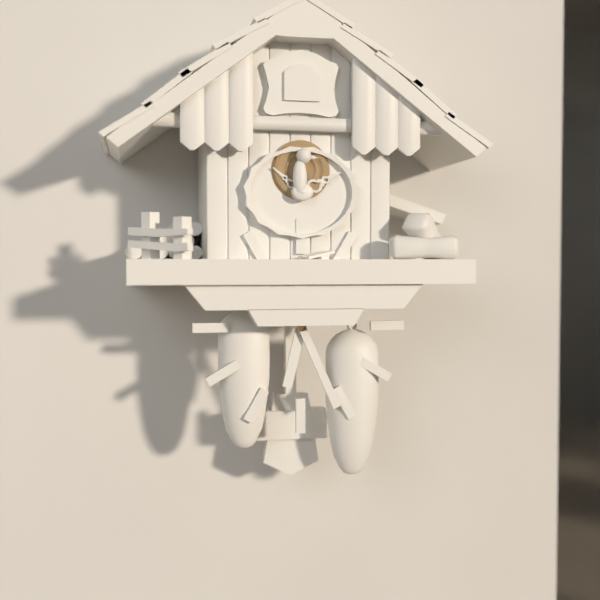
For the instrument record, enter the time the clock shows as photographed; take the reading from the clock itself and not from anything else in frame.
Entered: 6:26
